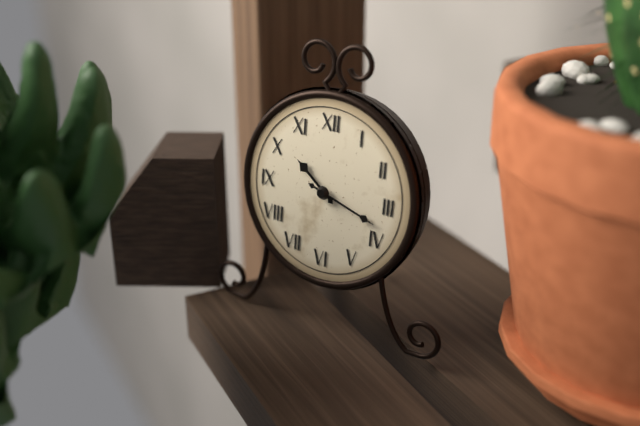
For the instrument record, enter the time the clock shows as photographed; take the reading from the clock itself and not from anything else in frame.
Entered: 10:18
